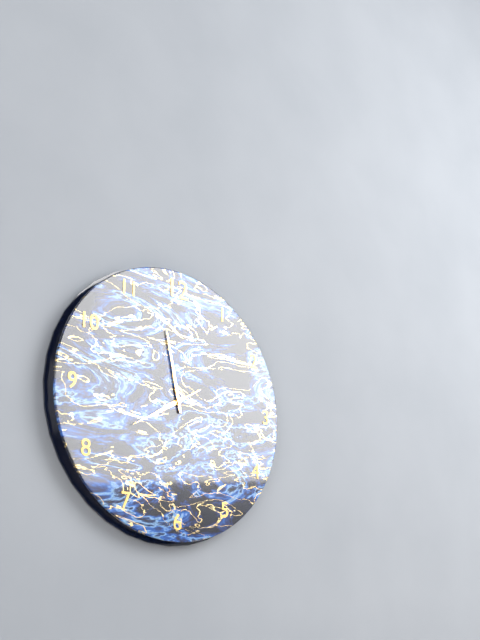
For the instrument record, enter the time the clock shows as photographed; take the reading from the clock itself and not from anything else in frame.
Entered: 7:58:40
